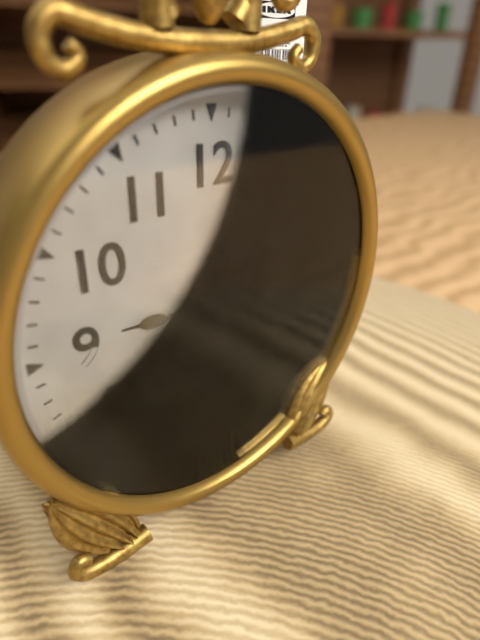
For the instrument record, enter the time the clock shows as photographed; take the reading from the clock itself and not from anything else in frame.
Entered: 9:08
